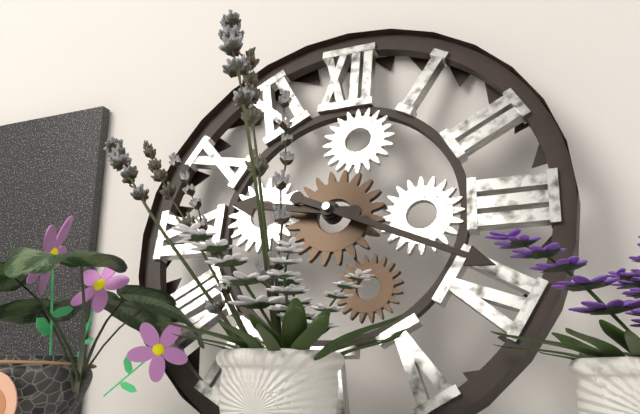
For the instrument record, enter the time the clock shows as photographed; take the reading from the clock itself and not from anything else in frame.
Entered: 9:19
